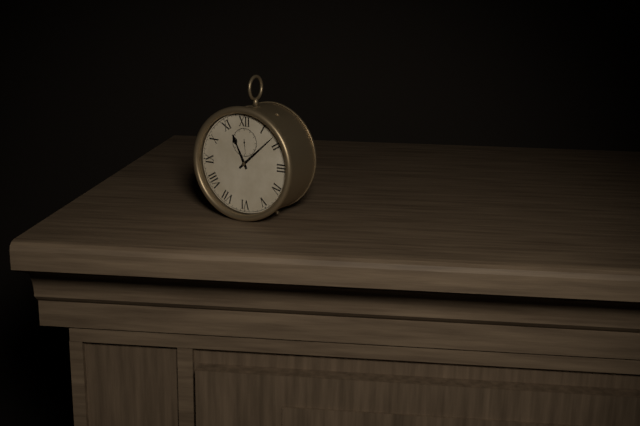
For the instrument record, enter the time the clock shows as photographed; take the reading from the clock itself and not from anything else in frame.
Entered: 11:08
